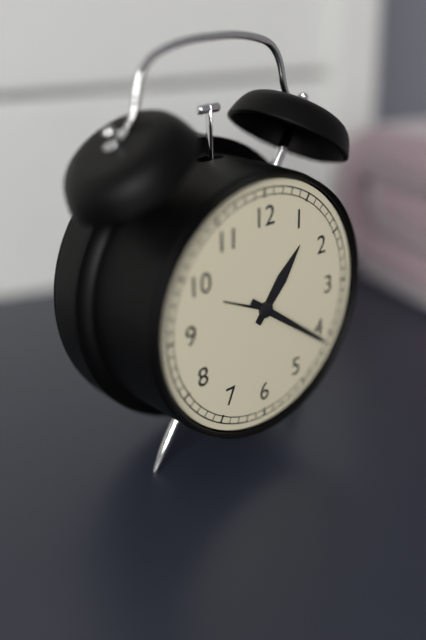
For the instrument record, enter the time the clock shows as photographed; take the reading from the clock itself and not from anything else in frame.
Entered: 1:21
